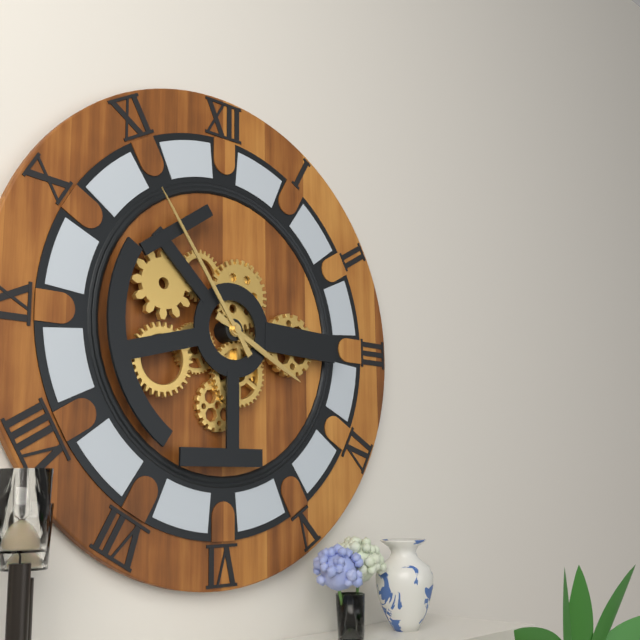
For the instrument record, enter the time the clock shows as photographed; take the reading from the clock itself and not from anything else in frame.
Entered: 3:54
